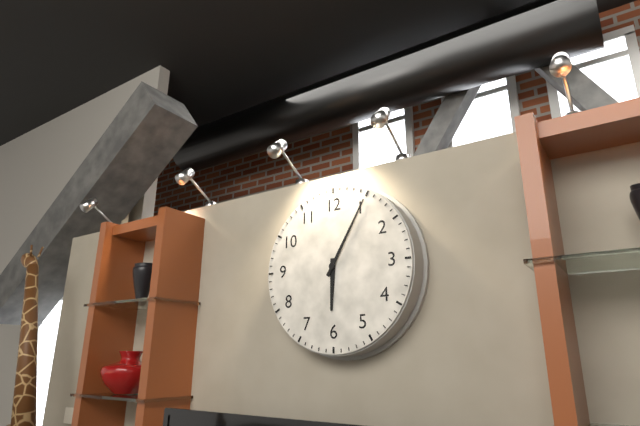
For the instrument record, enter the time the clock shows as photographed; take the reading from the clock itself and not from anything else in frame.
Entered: 6:05
